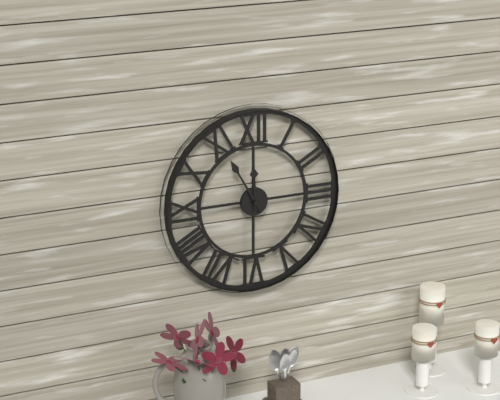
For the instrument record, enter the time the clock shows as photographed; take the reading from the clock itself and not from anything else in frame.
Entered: 11:55
